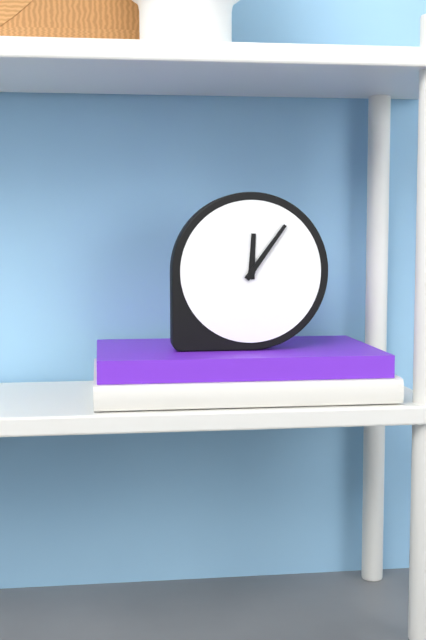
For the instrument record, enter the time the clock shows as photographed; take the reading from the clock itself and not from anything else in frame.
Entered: 12:06
